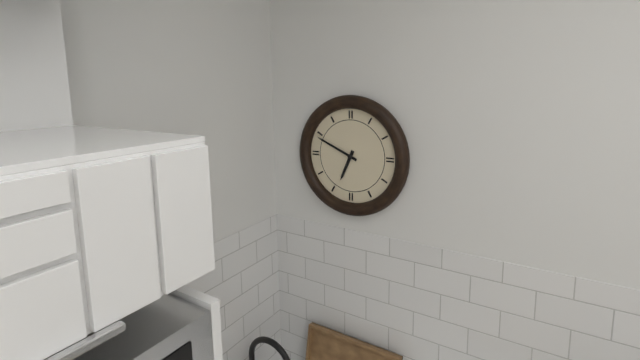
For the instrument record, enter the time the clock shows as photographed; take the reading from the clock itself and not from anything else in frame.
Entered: 6:49
